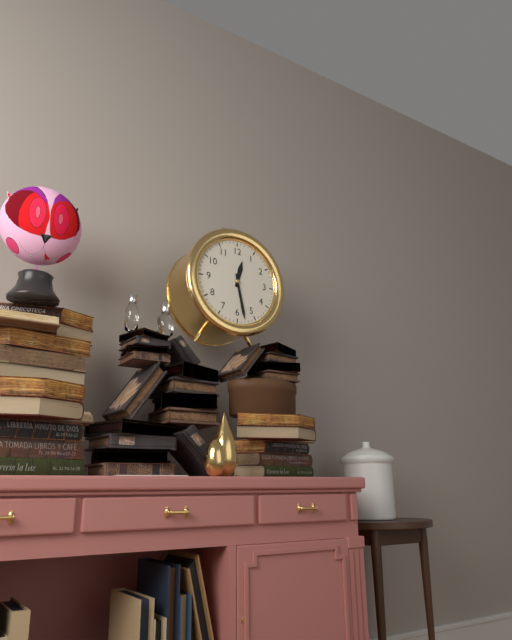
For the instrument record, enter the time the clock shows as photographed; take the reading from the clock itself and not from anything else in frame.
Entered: 12:28
